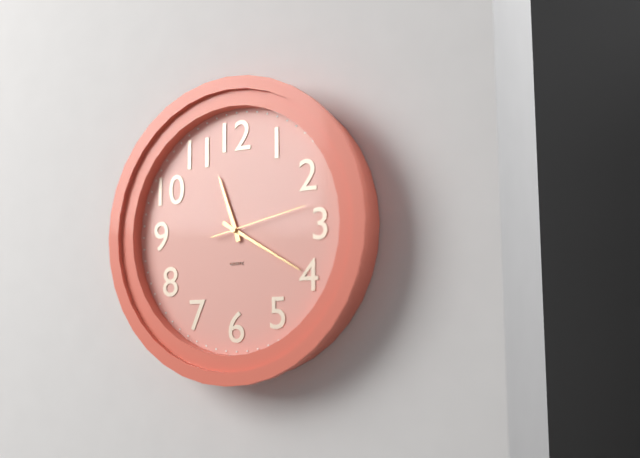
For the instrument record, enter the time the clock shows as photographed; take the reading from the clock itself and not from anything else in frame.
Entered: 11:20:13
